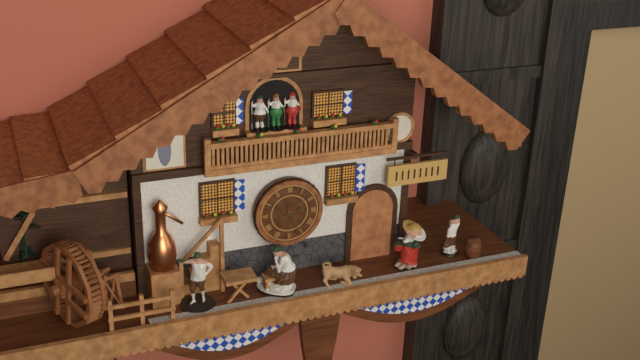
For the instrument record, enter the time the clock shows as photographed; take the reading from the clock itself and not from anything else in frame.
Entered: 2:26
